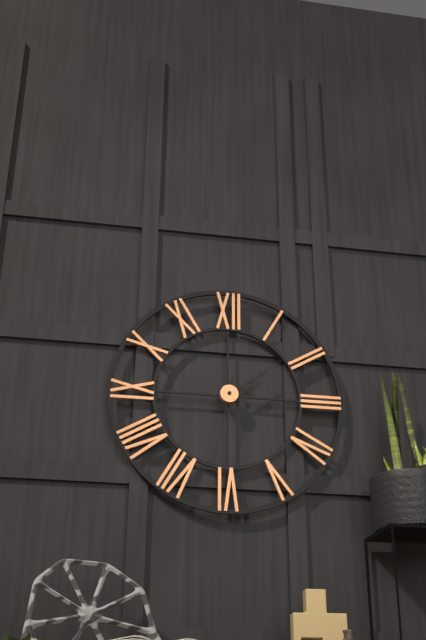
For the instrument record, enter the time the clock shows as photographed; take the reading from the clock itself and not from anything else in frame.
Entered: 2:09:32
